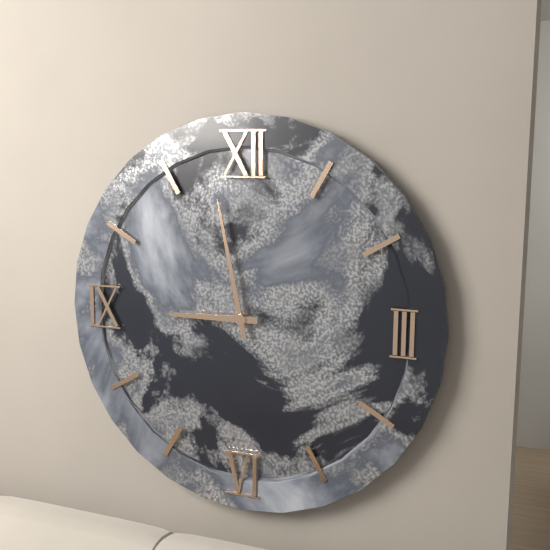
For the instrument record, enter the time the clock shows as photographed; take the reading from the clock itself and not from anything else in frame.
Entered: 8:58
